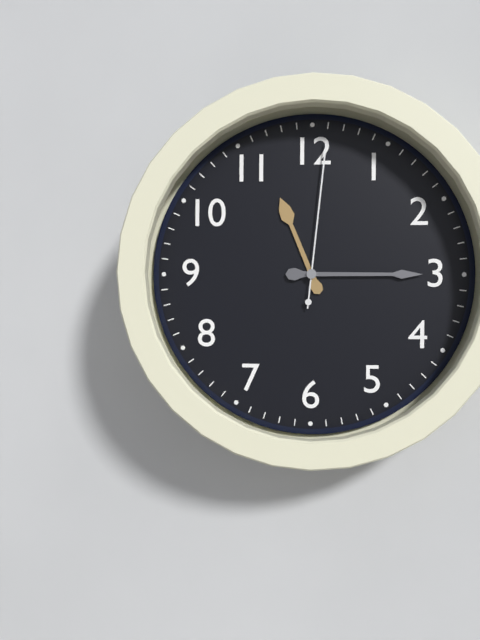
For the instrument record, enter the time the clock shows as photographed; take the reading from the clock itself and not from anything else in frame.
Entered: 11:15:01
